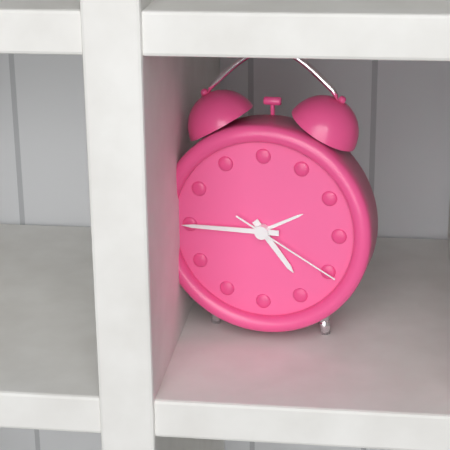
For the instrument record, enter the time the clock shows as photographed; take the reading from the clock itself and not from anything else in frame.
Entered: 4:45:20
